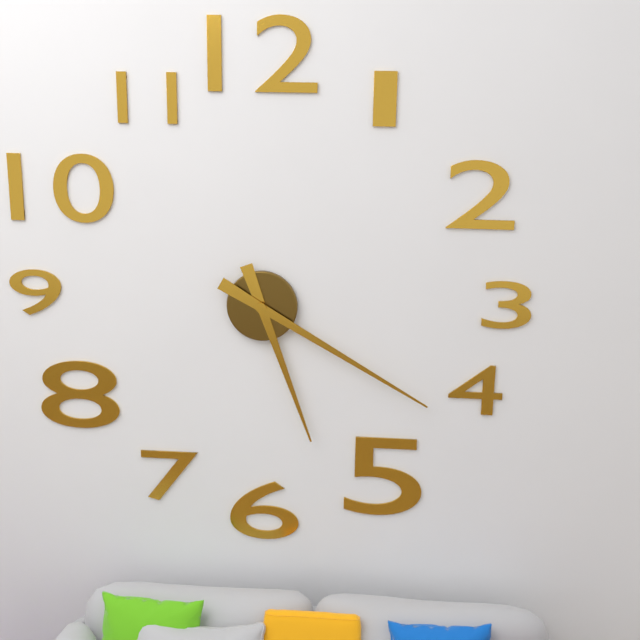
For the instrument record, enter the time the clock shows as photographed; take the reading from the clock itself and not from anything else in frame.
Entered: 5:20
